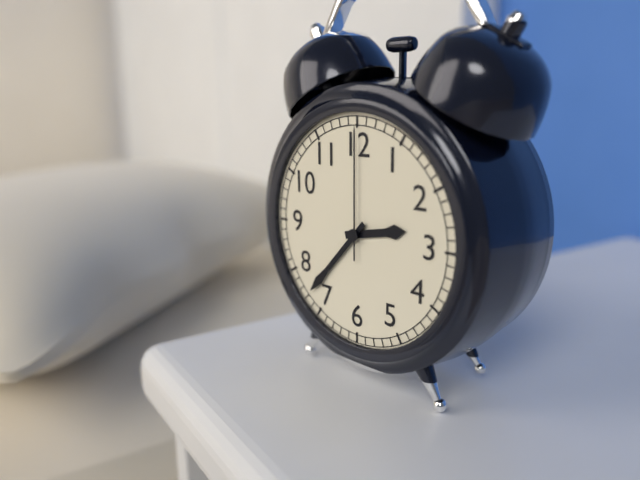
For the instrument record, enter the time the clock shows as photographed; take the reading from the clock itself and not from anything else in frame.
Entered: 2:37:00
